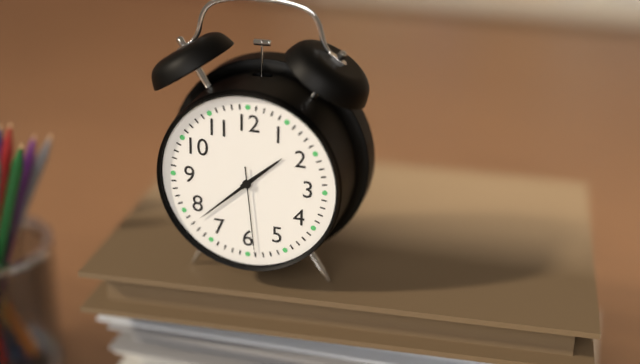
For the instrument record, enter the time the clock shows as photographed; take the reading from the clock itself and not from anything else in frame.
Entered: 1:38:29
